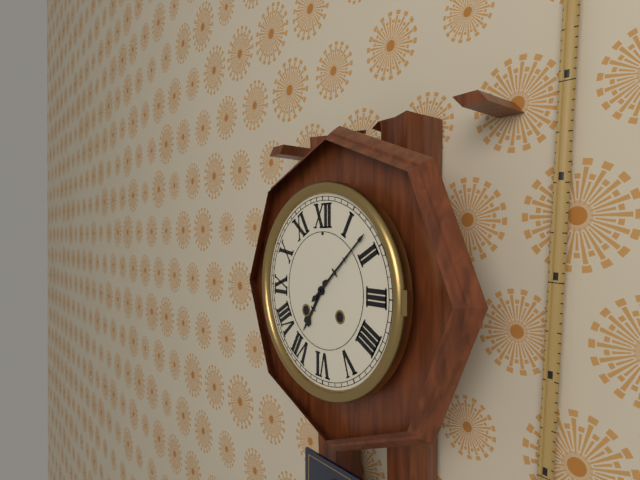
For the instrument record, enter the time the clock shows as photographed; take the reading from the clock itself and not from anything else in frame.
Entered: 7:08
